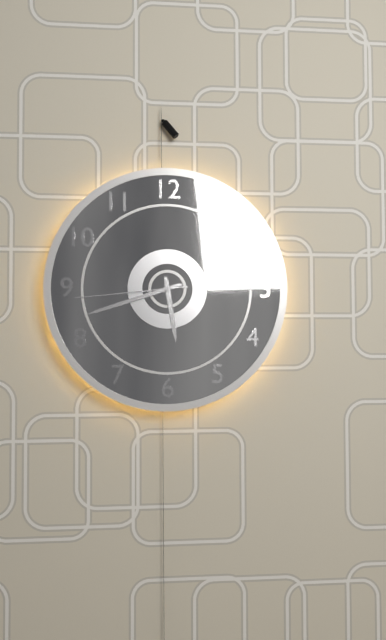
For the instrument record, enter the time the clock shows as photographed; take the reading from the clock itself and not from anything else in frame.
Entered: 5:42:44
